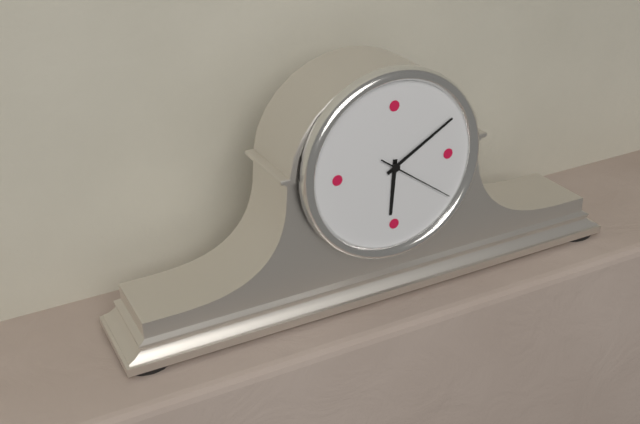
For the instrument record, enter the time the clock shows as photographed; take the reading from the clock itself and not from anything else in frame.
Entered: 6:10:21
